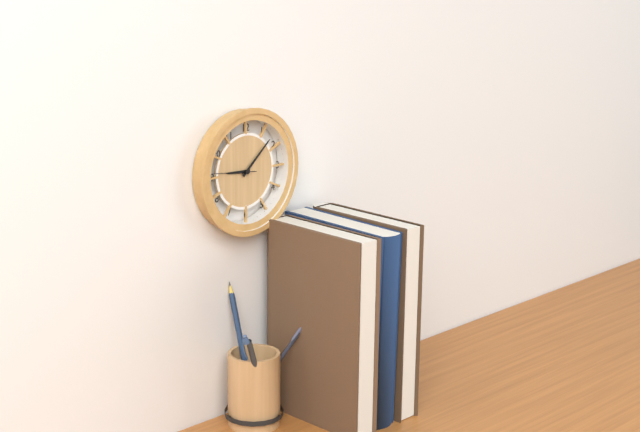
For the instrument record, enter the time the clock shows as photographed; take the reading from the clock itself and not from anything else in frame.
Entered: 9:08
